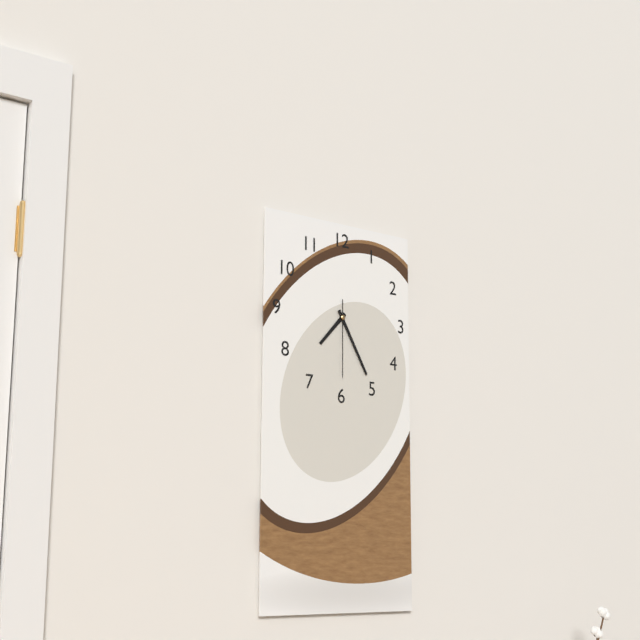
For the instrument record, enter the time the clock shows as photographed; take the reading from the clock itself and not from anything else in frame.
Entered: 7:25:30
